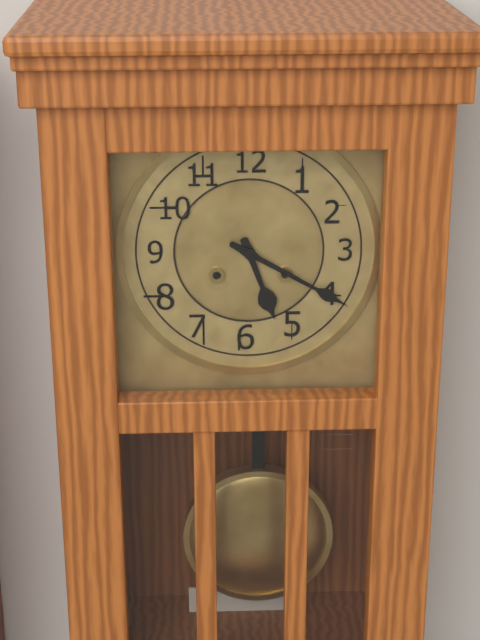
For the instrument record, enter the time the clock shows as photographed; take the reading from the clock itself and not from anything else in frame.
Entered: 5:20
